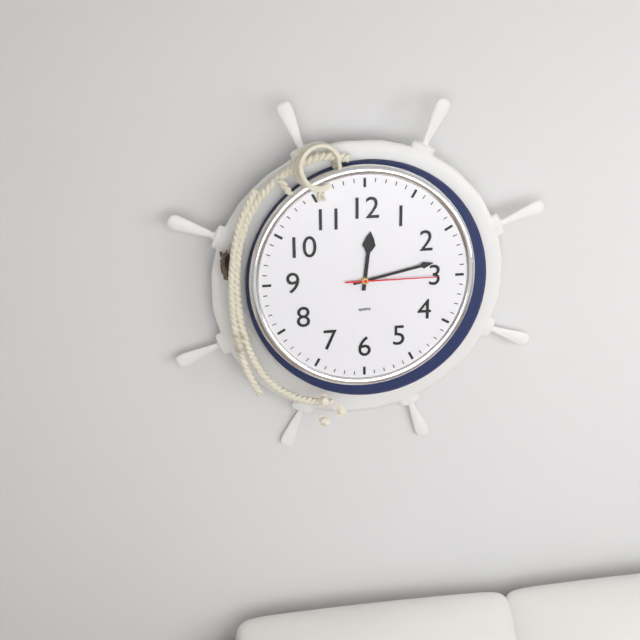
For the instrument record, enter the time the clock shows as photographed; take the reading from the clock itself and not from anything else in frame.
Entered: 12:13:15
